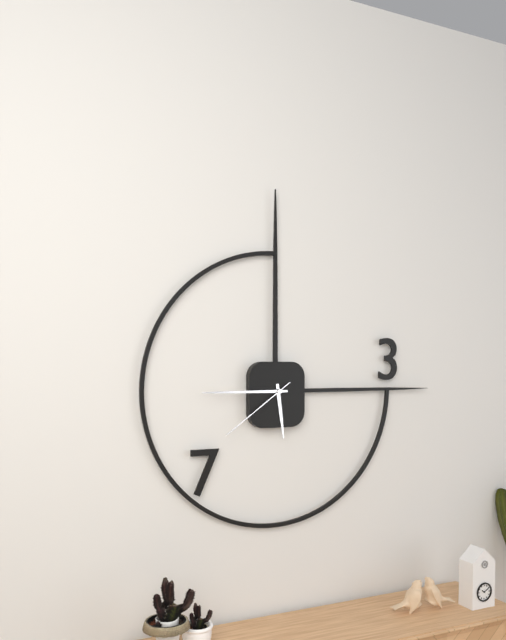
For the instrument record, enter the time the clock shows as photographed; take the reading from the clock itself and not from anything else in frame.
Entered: 5:45:39
